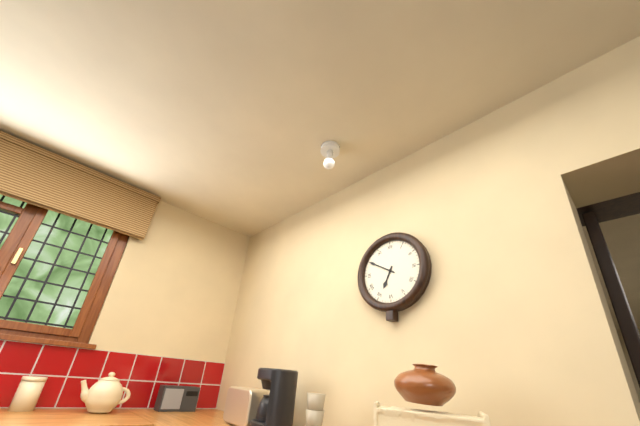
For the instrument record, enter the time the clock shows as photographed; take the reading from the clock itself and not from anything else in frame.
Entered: 6:50
